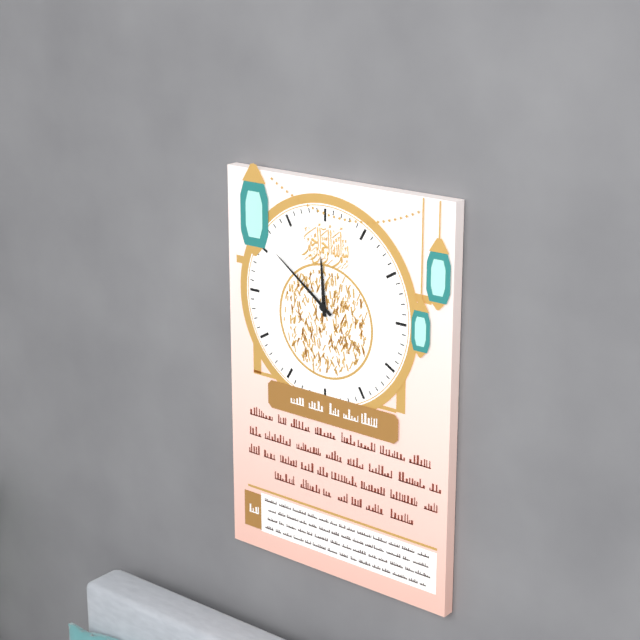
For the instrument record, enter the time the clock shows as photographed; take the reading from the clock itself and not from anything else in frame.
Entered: 11:51
